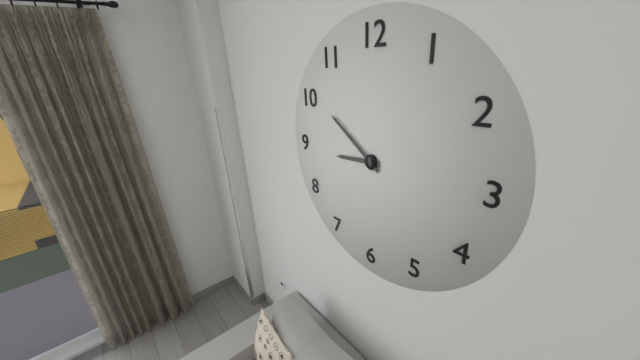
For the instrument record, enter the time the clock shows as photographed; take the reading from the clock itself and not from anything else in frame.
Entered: 8:51
